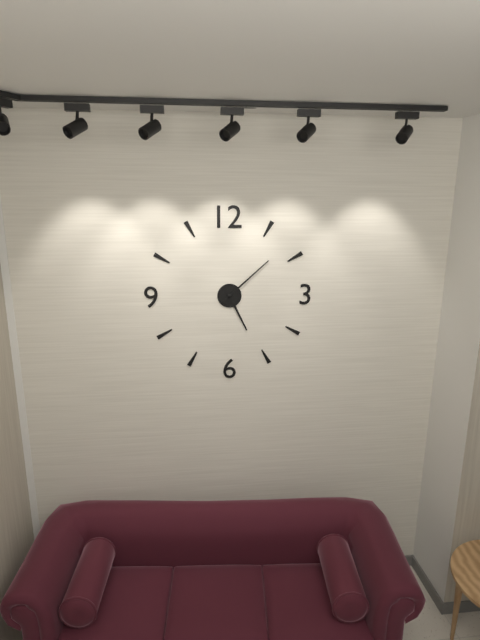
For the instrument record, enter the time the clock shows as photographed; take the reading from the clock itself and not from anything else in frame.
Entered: 5:08
